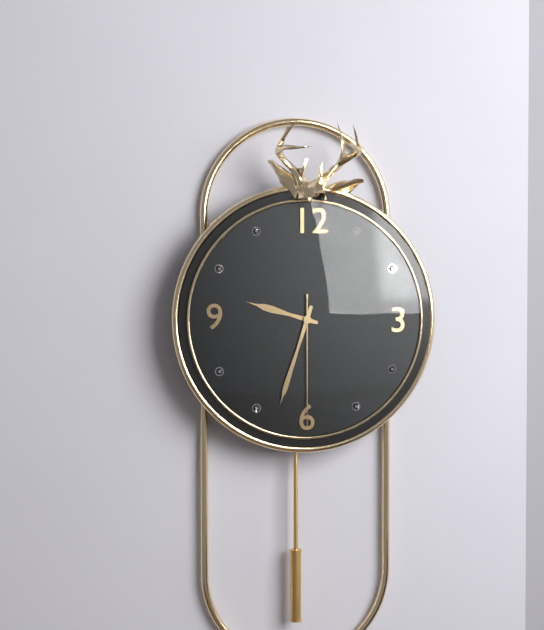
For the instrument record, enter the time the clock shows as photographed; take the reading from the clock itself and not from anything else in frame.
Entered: 9:33:30
